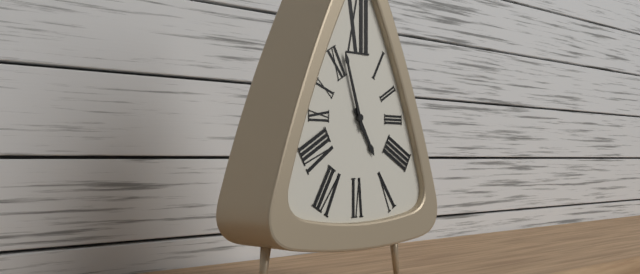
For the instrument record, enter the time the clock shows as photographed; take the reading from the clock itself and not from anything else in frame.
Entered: 4:57
